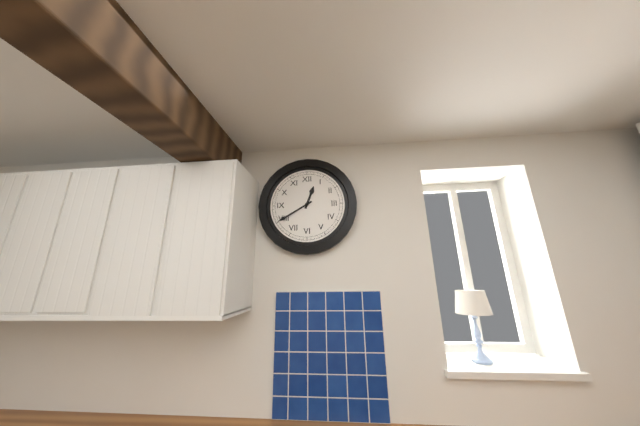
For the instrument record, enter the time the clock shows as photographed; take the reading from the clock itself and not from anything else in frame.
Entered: 12:40
